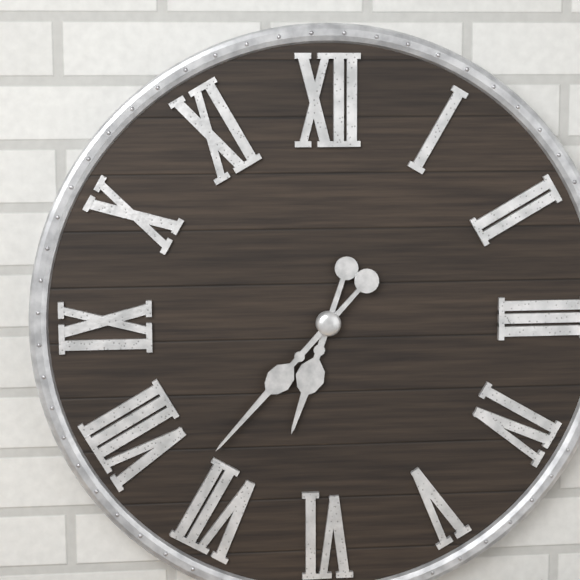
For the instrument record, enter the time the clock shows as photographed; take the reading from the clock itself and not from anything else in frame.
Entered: 6:37
